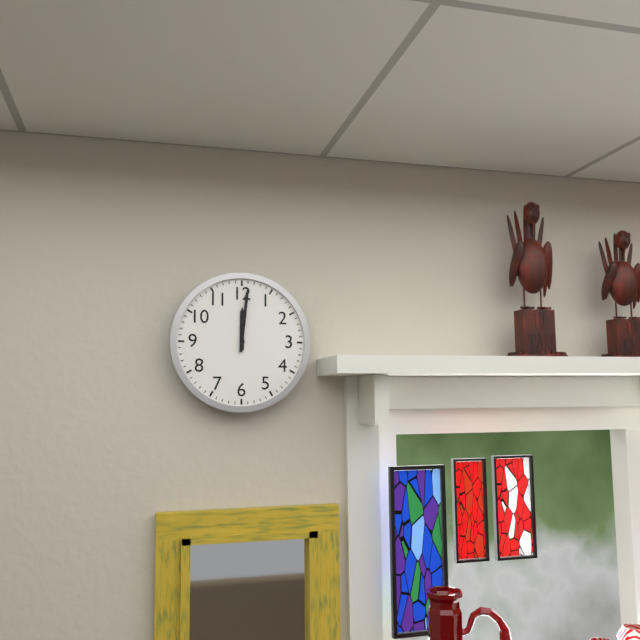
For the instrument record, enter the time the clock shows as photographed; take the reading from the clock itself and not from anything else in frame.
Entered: 12:01
